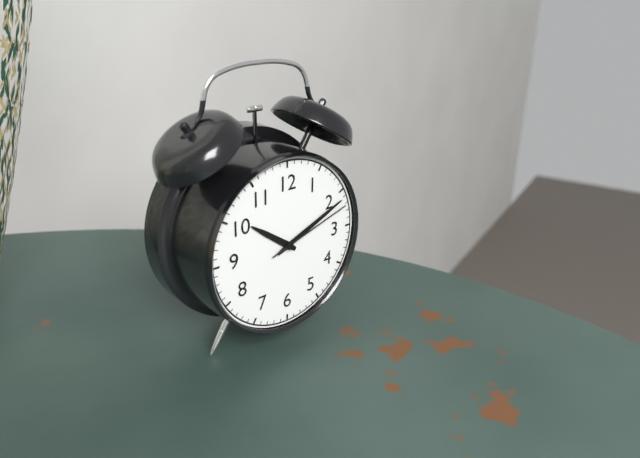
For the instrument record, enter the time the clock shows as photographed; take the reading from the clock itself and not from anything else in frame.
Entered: 10:11:12
